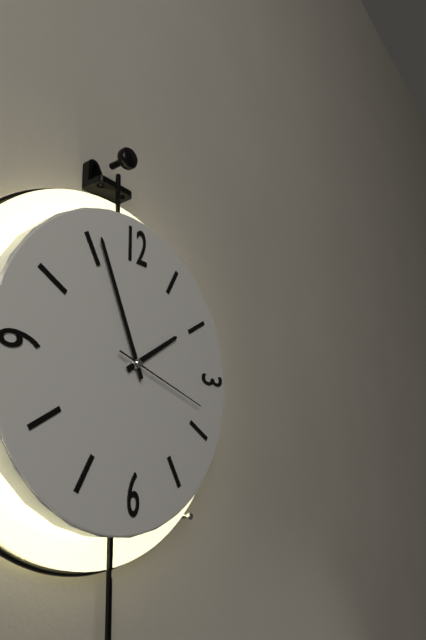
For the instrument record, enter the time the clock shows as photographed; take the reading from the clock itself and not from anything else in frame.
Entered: 1:56:18
